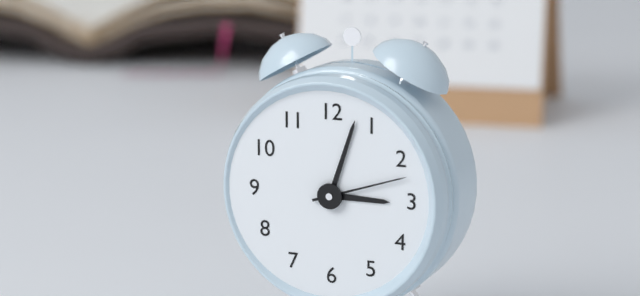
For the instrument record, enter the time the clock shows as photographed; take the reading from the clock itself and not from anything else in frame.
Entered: 3:03:12
